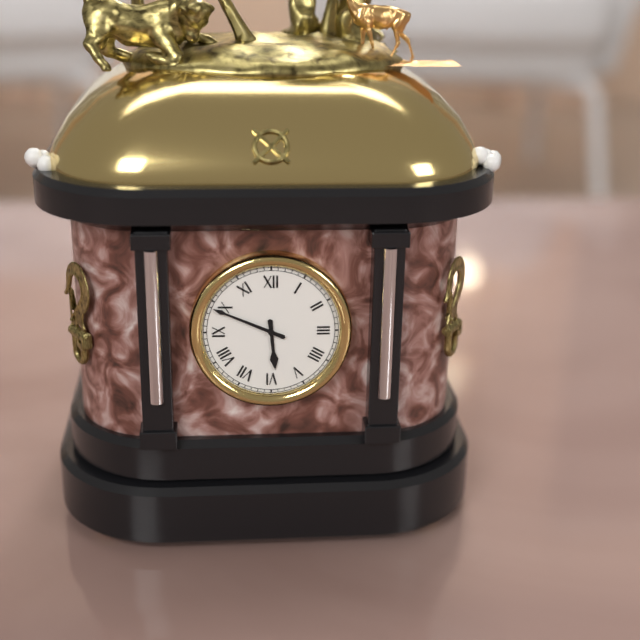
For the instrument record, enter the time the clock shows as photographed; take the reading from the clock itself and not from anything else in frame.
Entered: 5:49
